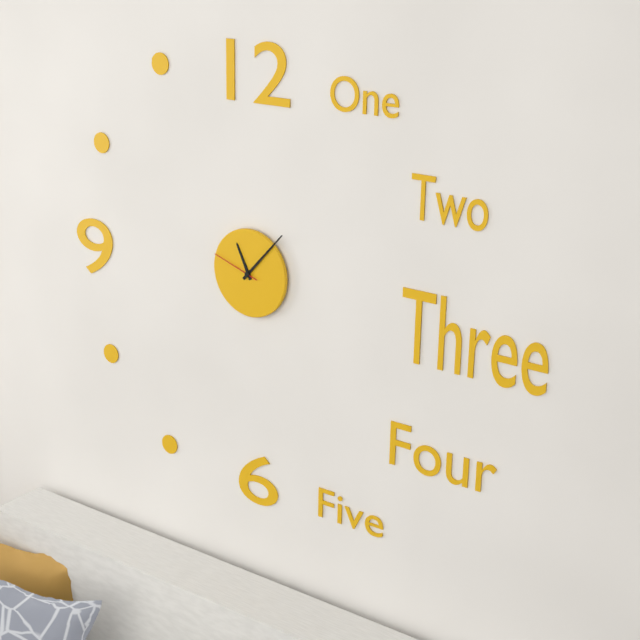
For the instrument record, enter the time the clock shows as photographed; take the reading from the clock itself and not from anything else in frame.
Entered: 11:07
